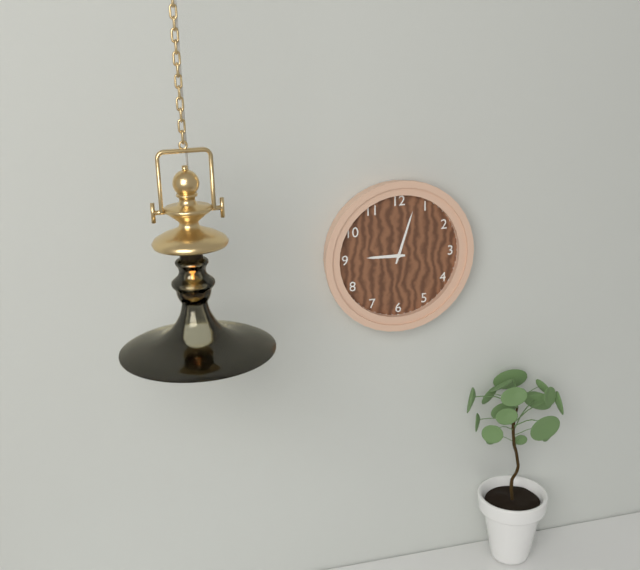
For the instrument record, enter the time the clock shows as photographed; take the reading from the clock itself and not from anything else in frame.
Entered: 9:03
